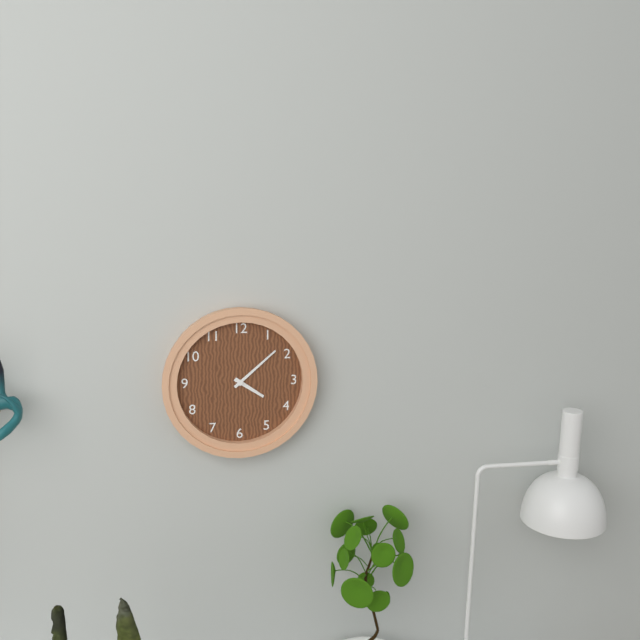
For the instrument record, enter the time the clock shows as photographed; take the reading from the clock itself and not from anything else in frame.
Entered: 4:08
